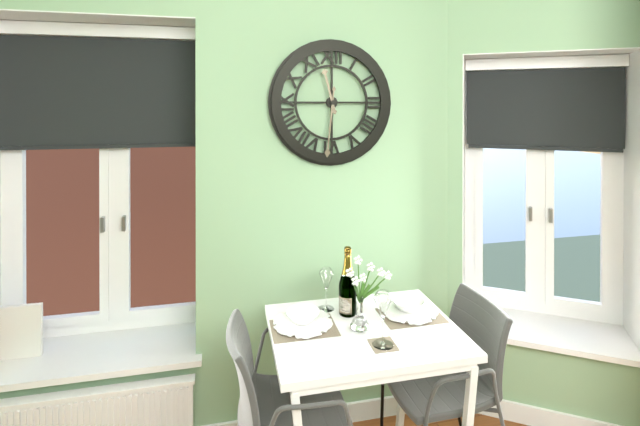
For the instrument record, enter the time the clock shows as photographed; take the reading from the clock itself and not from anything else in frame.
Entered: 11:31
